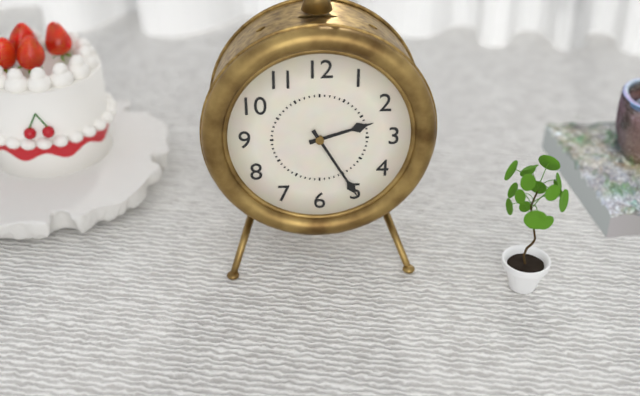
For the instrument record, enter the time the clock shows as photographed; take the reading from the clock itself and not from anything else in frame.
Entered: 2:25
